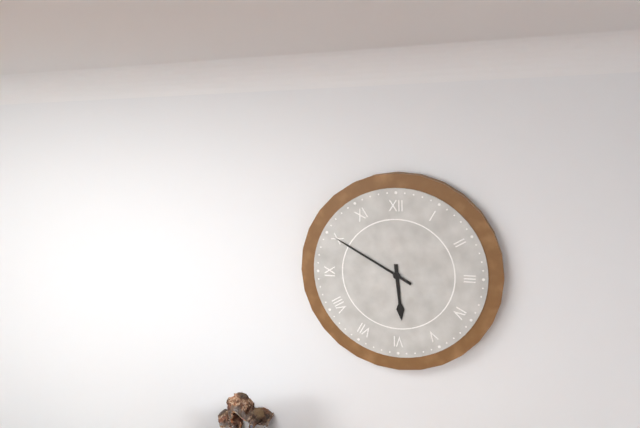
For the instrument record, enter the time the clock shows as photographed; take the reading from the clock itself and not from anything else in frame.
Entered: 5:50
